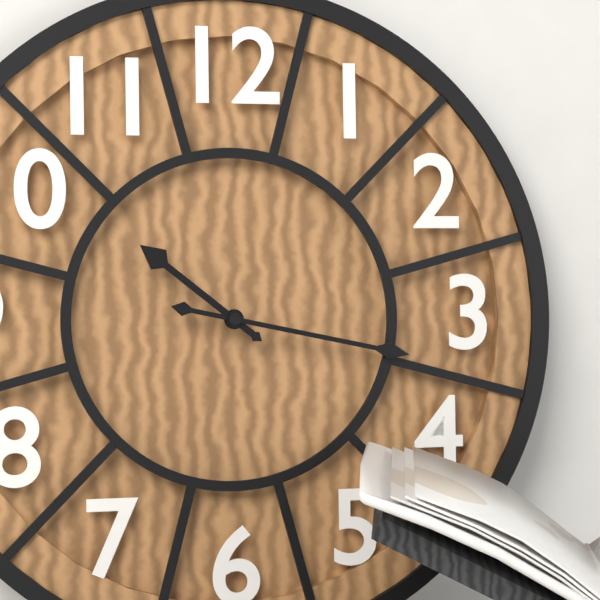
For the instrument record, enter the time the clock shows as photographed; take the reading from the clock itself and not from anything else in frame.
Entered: 10:17
